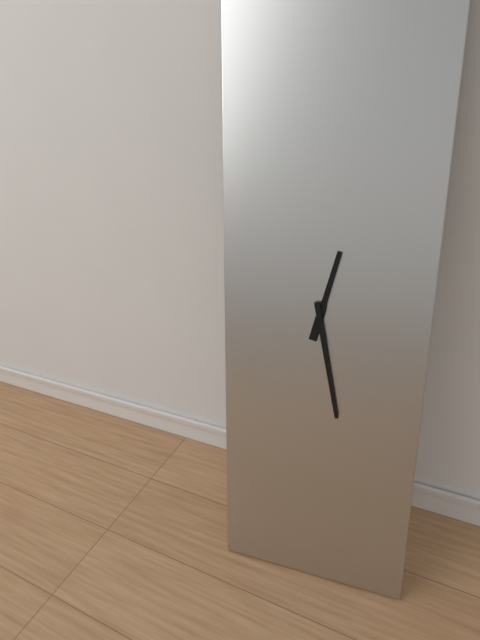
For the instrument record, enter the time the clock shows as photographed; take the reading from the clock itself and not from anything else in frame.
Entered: 12:28
